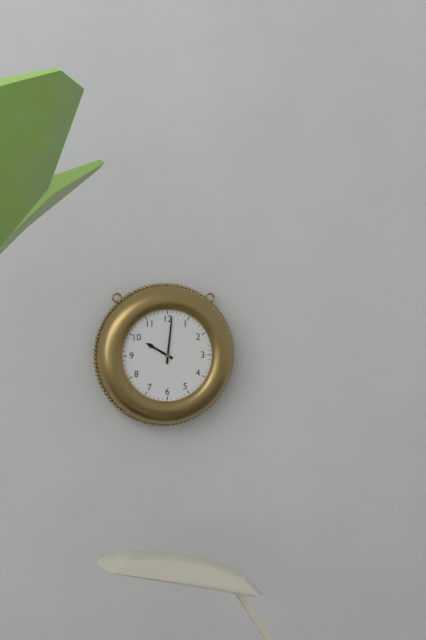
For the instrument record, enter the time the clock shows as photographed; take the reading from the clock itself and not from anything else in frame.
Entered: 10:01
